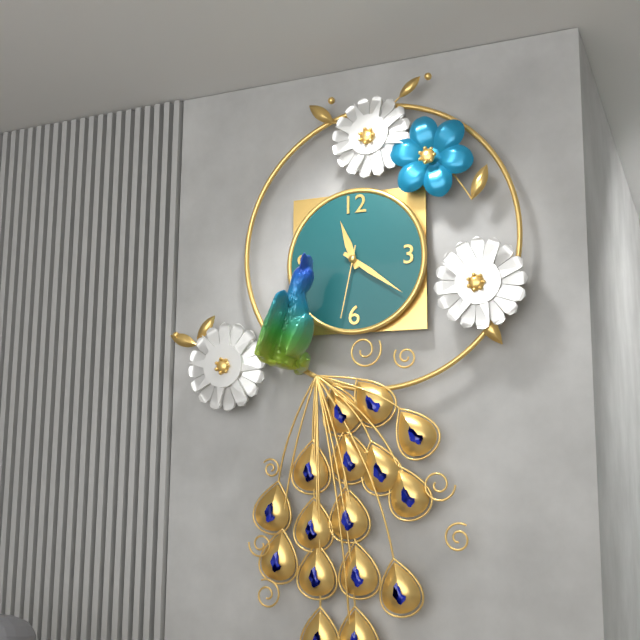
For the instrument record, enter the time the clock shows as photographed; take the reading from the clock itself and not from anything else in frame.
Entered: 11:21:32
